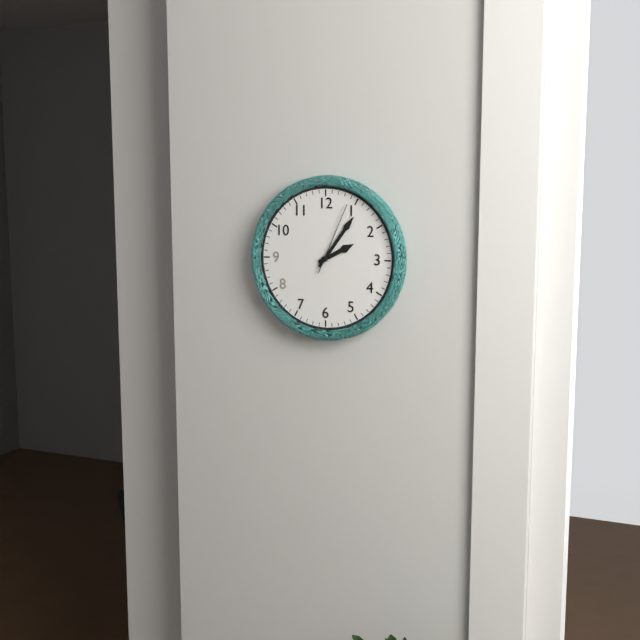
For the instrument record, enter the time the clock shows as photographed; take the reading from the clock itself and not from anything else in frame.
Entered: 2:06:04
